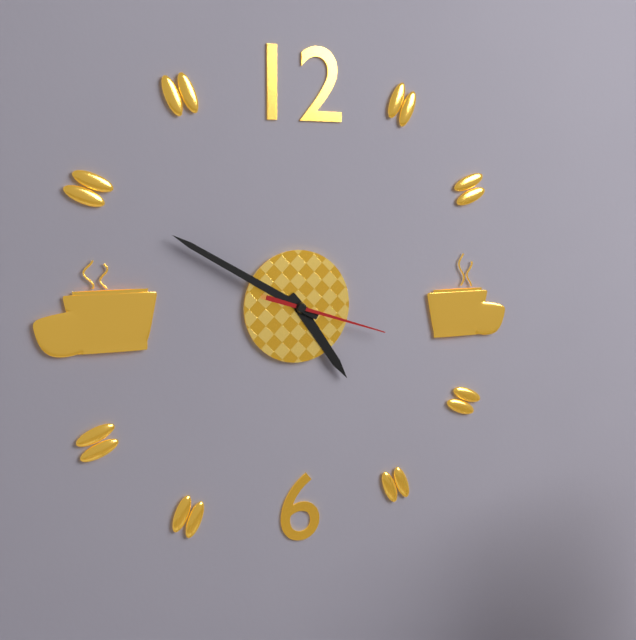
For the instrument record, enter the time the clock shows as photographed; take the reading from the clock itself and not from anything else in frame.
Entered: 4:50:18
